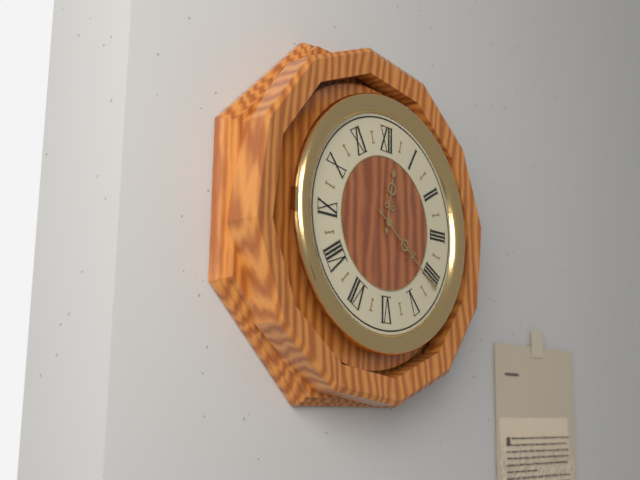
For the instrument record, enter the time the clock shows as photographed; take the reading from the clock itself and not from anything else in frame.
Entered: 12:21
